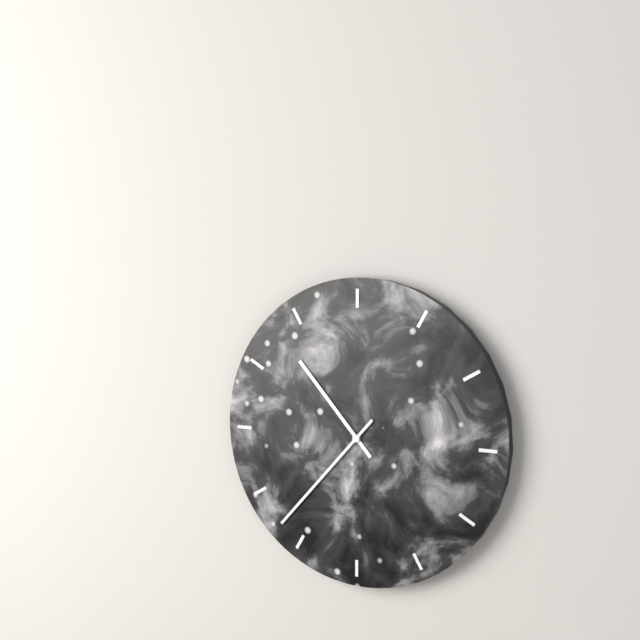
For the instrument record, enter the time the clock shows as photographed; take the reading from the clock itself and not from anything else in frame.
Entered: 10:37
